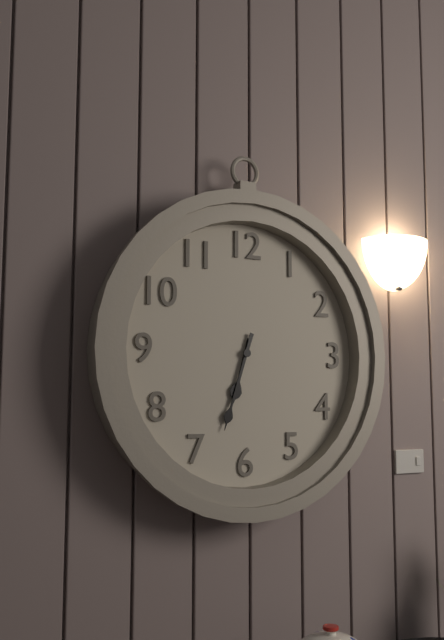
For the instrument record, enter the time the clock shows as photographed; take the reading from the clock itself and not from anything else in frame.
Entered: 6:33
